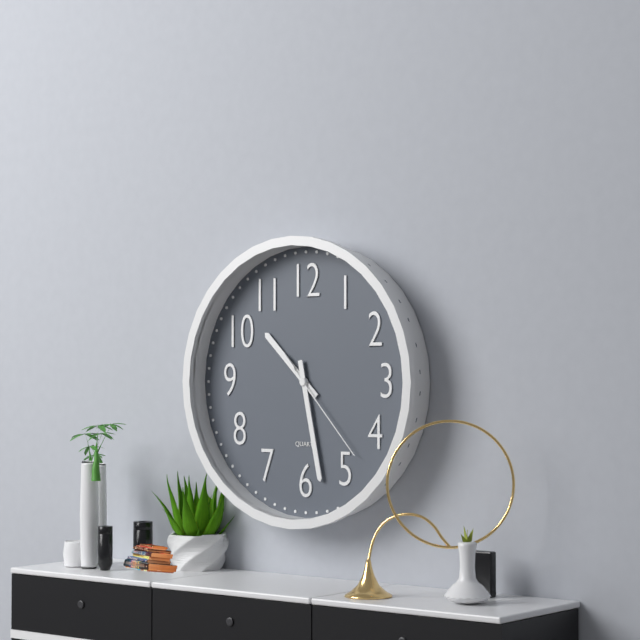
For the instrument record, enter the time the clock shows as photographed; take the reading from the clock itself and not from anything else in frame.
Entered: 10:28:23
